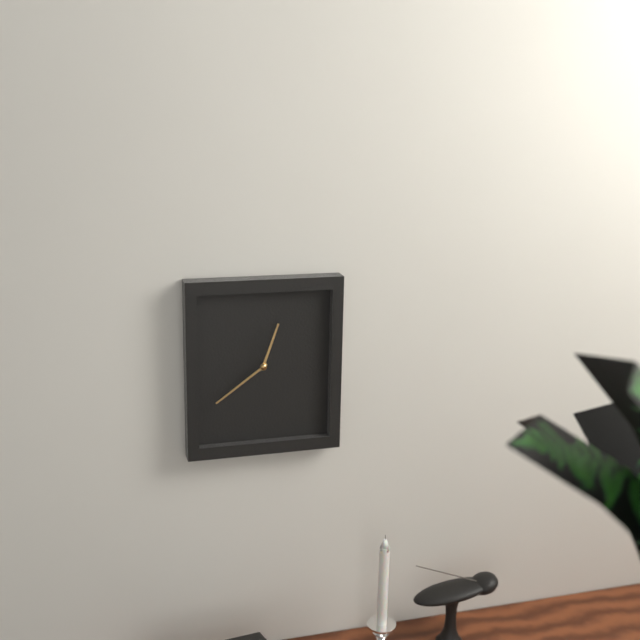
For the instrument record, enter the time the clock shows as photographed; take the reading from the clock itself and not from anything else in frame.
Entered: 12:39
